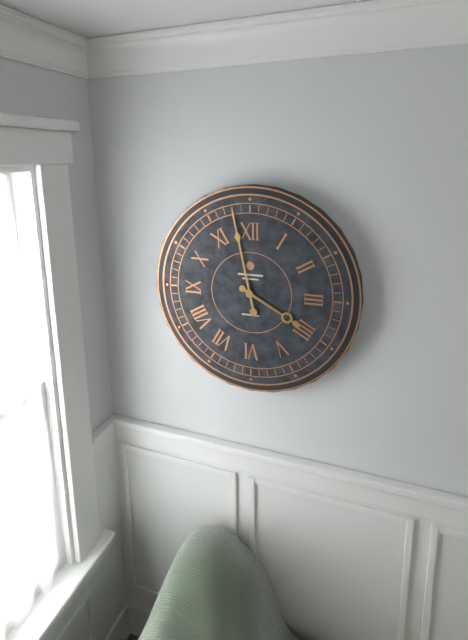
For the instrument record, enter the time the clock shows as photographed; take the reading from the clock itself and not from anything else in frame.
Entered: 3:58
